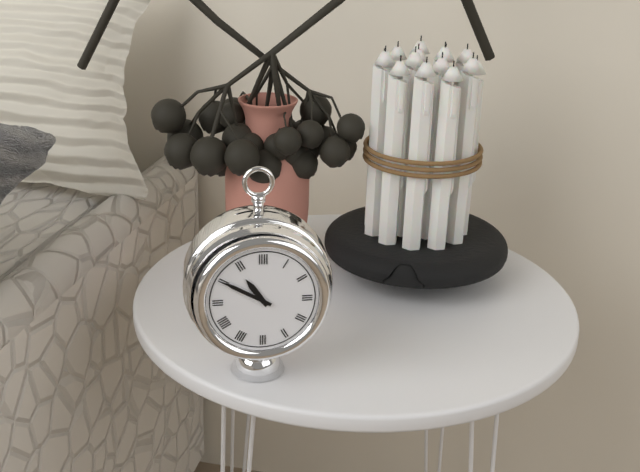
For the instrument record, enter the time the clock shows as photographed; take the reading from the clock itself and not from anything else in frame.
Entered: 10:50
